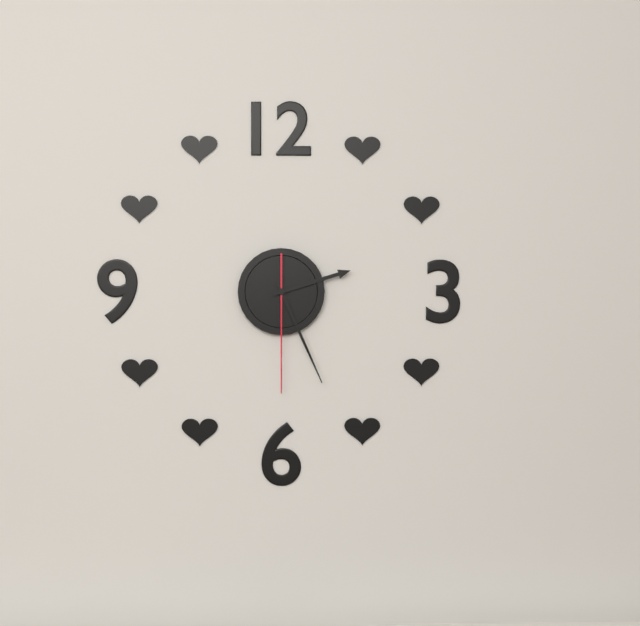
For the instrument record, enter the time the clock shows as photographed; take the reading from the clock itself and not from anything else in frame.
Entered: 2:26:30
